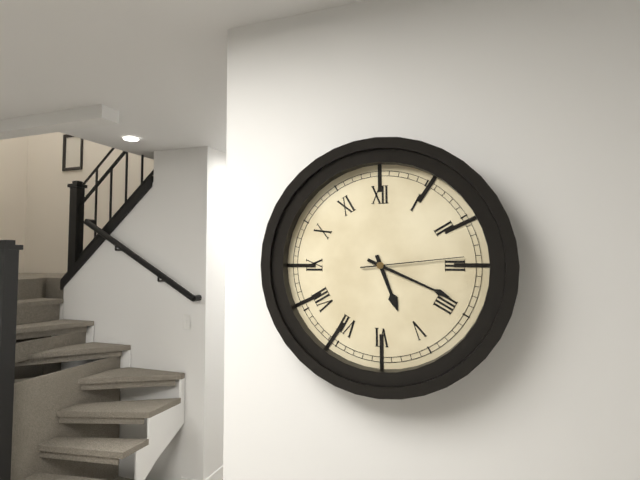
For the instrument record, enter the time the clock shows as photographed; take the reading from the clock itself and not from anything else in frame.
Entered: 5:19:14
